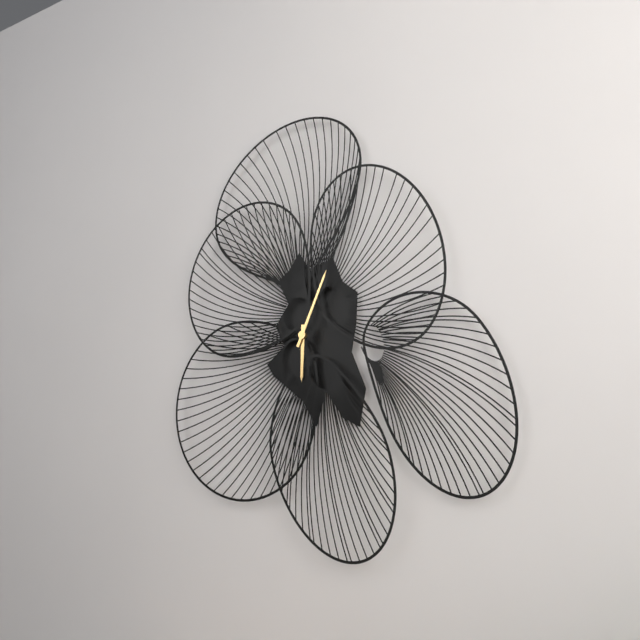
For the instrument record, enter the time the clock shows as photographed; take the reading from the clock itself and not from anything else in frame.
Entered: 6:04
